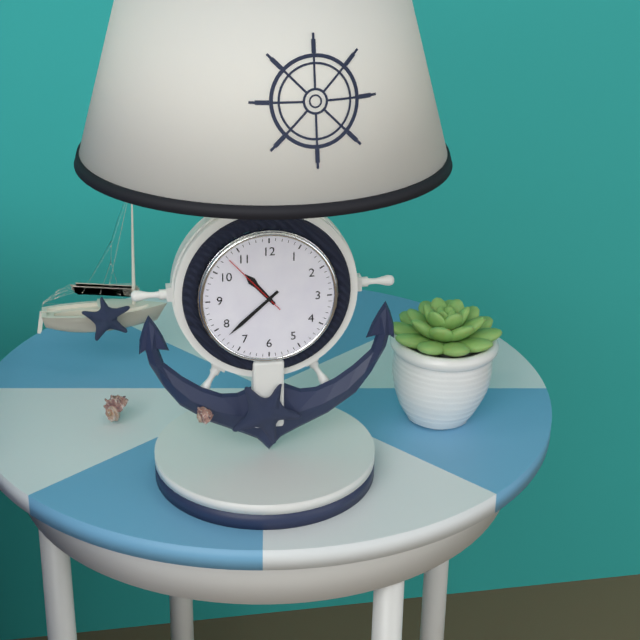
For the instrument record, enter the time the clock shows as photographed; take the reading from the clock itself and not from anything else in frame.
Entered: 10:38:53
